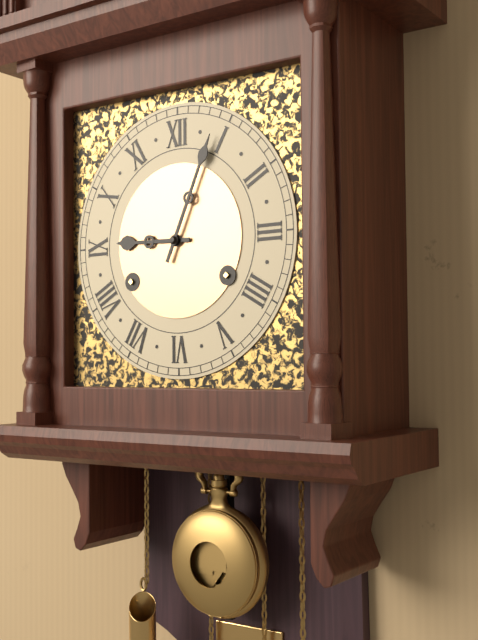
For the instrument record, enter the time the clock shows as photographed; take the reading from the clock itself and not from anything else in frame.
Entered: 9:04
